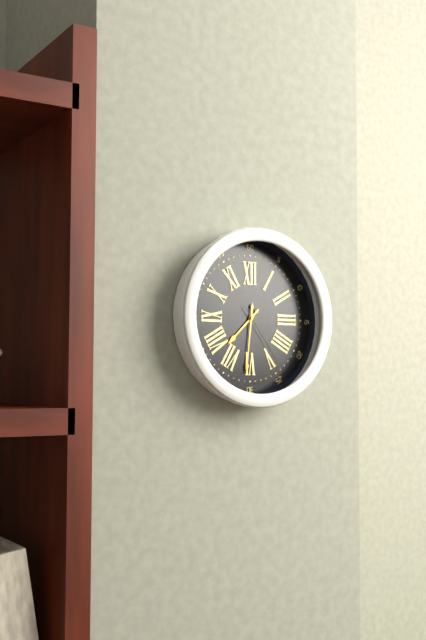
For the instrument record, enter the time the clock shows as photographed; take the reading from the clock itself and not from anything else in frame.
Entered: 7:31:24
